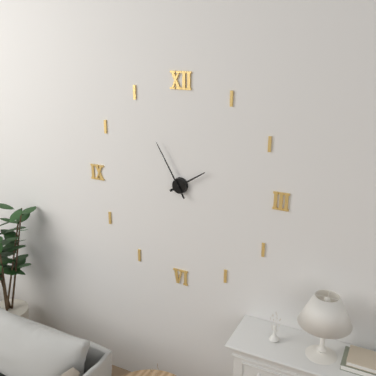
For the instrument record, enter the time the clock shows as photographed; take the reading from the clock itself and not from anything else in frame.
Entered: 1:55
